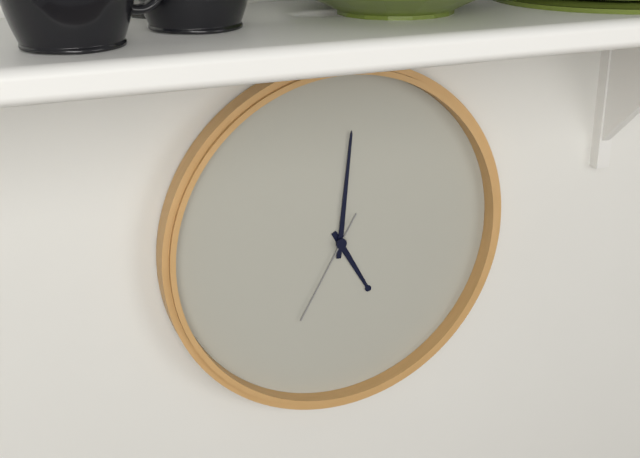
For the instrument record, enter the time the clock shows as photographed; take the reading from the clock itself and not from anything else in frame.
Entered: 5:01:35
